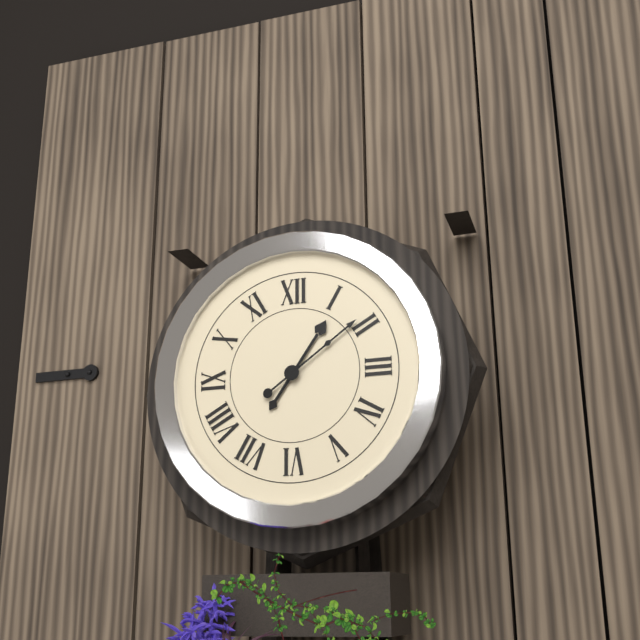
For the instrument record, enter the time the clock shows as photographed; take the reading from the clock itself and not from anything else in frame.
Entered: 1:09
